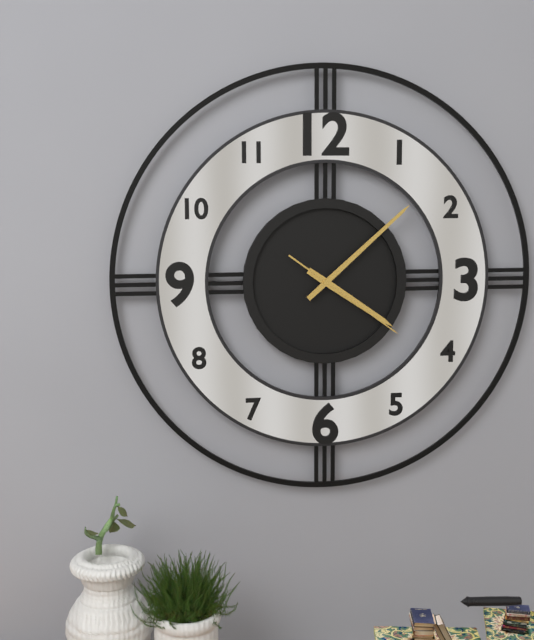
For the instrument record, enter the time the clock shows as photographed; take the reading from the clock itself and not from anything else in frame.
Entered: 4:08:21
